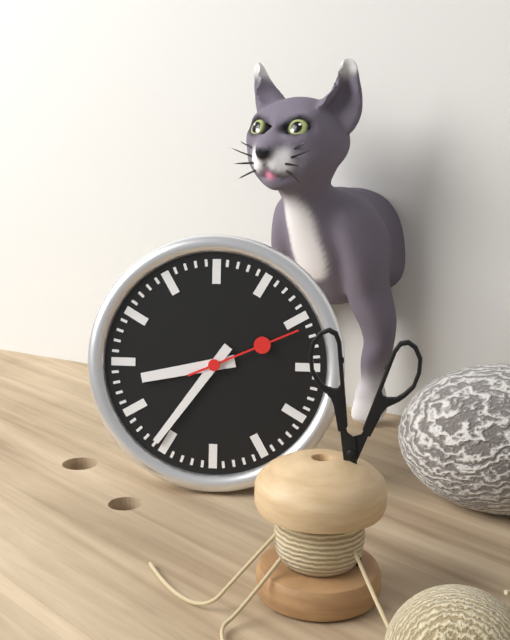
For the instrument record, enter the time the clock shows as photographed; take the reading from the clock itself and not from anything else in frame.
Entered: 8:36:11
